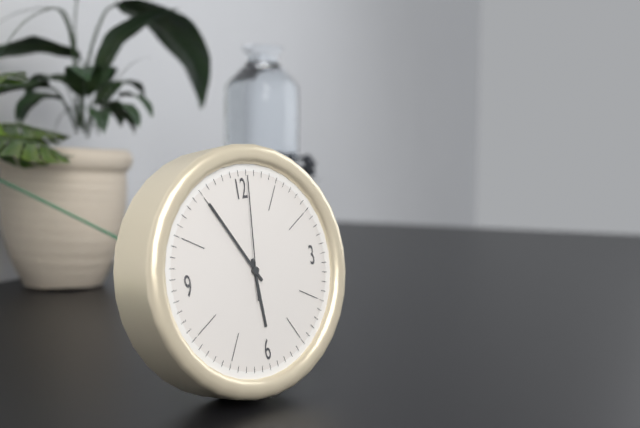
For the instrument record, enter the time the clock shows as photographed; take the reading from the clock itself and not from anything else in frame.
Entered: 5:55:01
